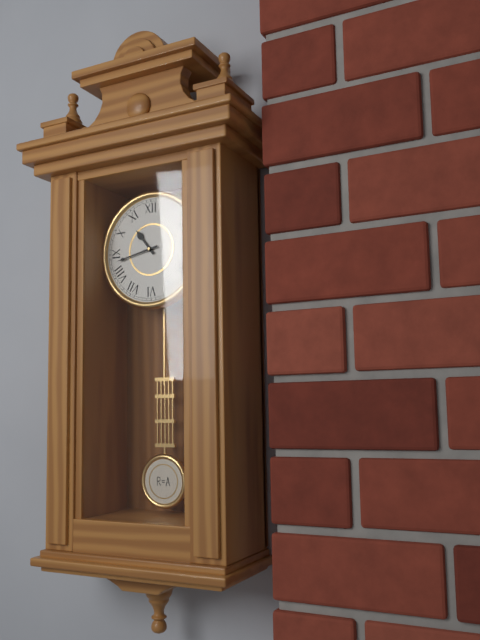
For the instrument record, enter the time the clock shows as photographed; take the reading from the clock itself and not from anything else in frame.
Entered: 10:43
